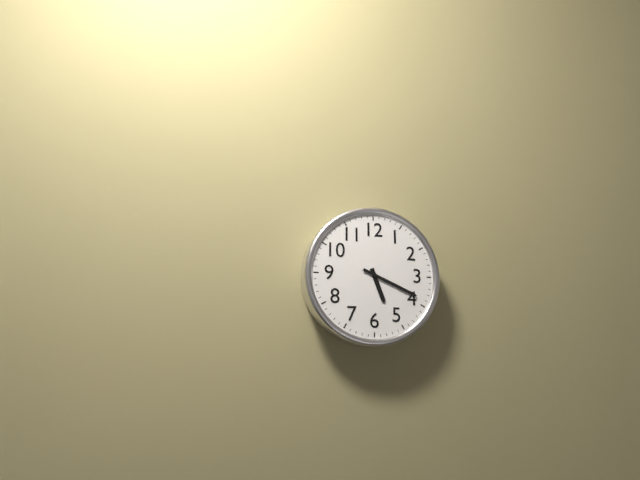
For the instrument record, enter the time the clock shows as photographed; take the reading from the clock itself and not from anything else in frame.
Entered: 5:19
